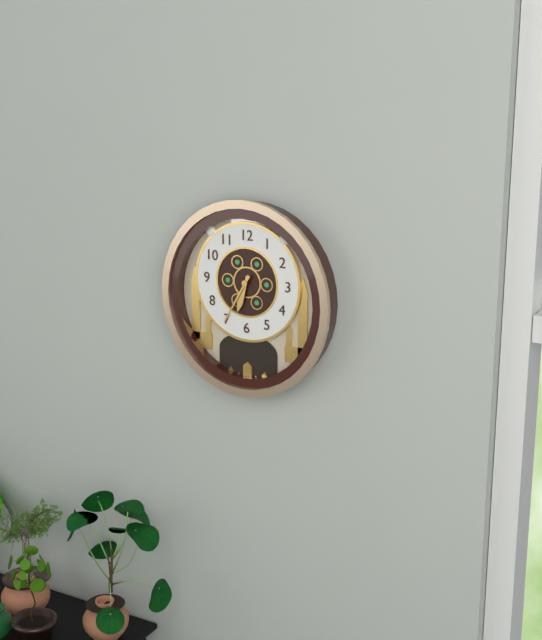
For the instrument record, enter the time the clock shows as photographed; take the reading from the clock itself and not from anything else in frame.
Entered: 6:35
